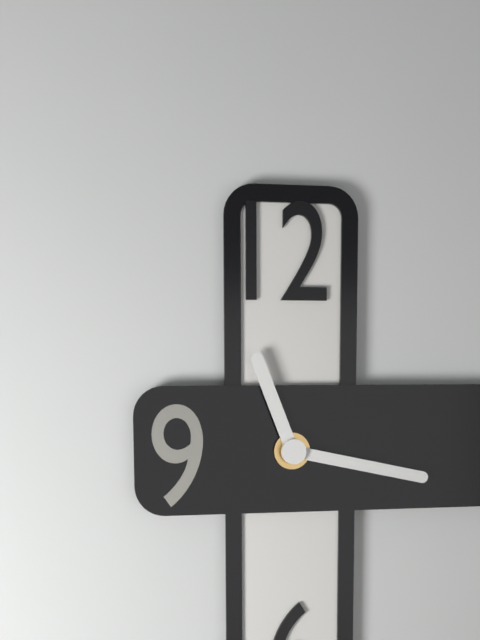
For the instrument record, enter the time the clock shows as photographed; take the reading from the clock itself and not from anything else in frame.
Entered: 11:17
